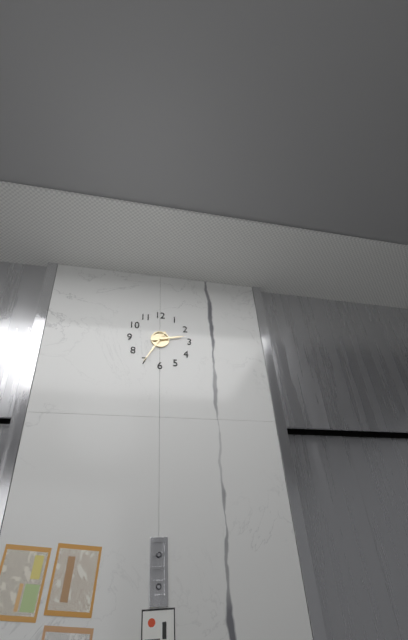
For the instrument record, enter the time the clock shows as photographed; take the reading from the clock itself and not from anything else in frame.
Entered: 2:35
